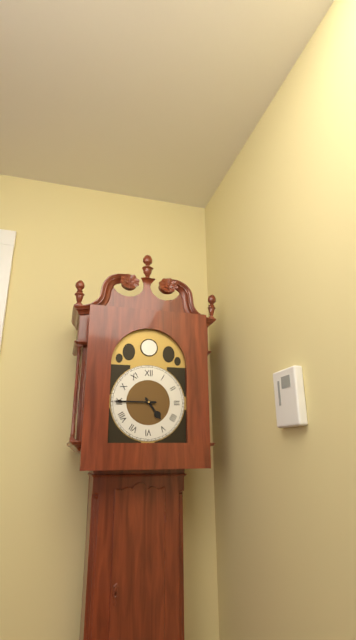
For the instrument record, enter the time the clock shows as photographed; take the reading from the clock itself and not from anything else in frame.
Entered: 4:45
